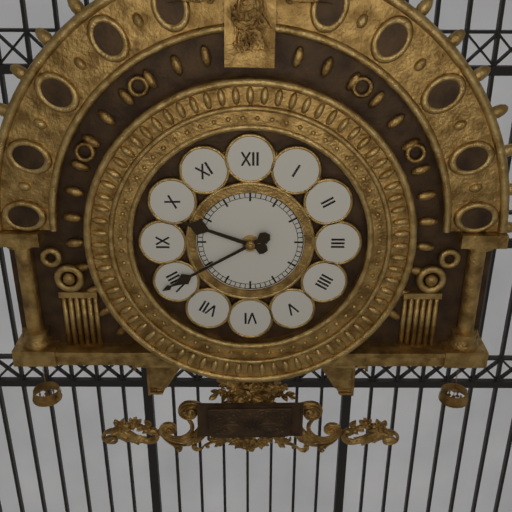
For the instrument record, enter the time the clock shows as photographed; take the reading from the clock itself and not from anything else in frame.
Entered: 9:40
